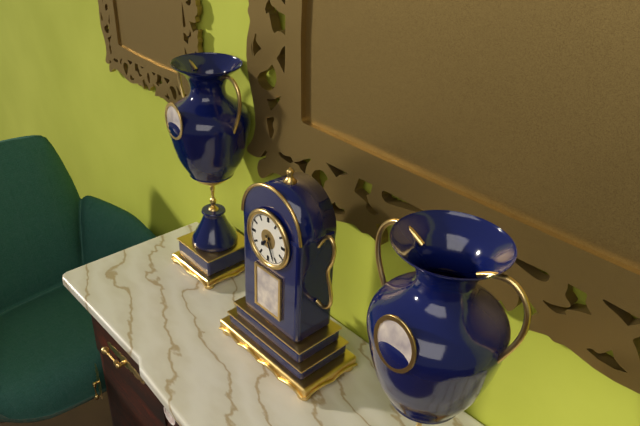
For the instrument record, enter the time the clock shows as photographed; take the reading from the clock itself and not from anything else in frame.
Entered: 7:26
